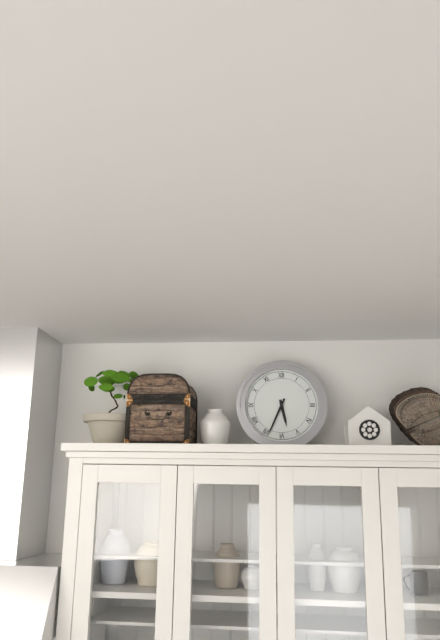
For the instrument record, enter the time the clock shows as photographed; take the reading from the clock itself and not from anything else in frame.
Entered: 5:34
